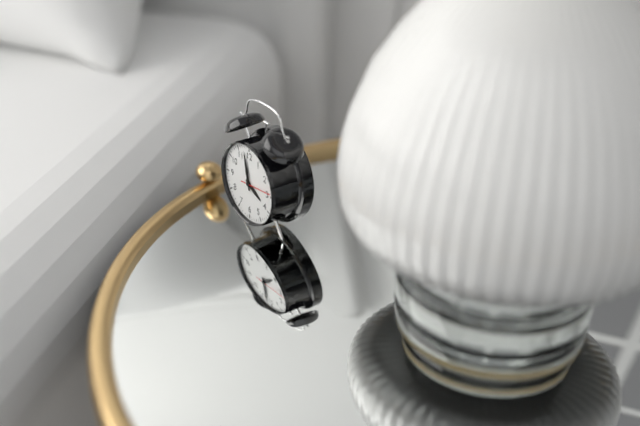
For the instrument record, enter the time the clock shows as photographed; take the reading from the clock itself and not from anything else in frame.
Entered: 3:58
